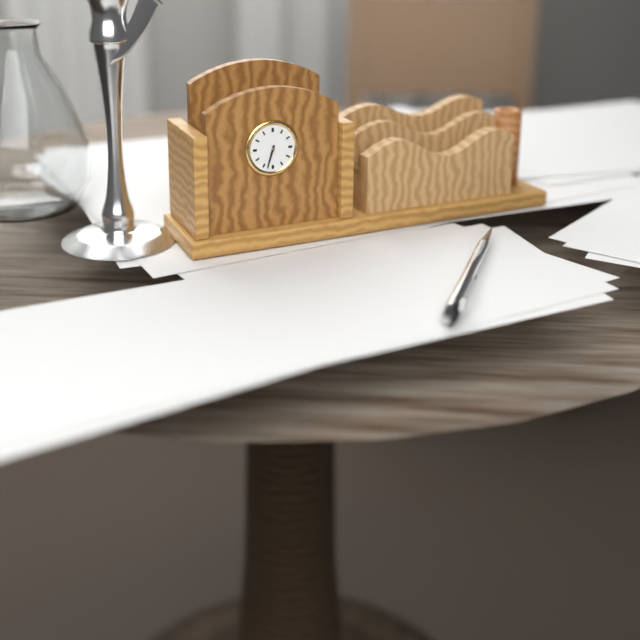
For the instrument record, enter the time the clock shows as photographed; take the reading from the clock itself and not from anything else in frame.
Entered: 6:33
